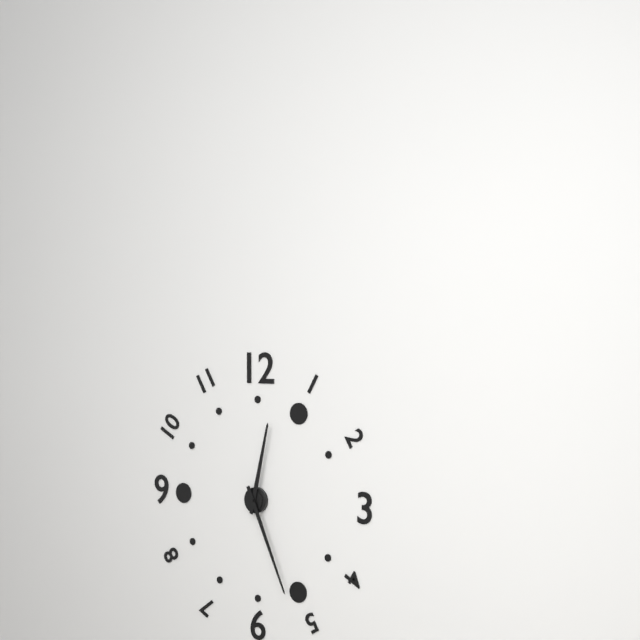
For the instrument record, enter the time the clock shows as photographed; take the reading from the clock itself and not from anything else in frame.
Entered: 12:26
